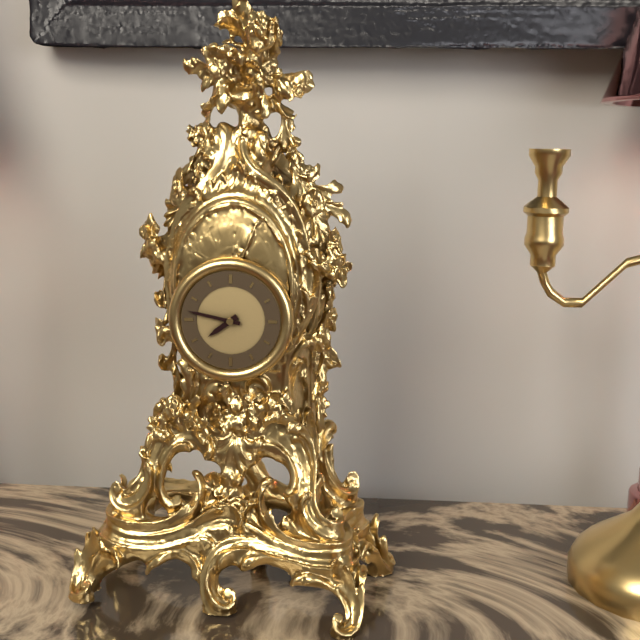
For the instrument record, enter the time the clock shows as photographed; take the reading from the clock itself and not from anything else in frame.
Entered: 7:47
